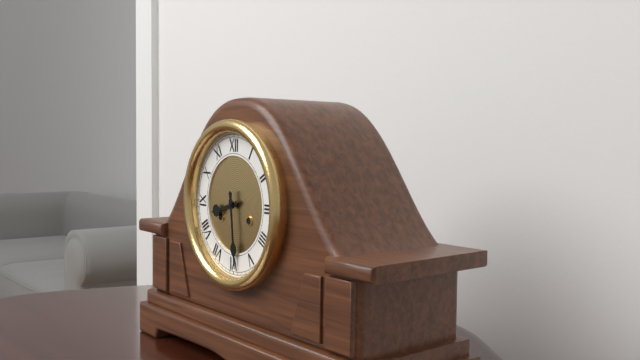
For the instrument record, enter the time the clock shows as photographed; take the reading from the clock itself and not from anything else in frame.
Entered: 8:29
